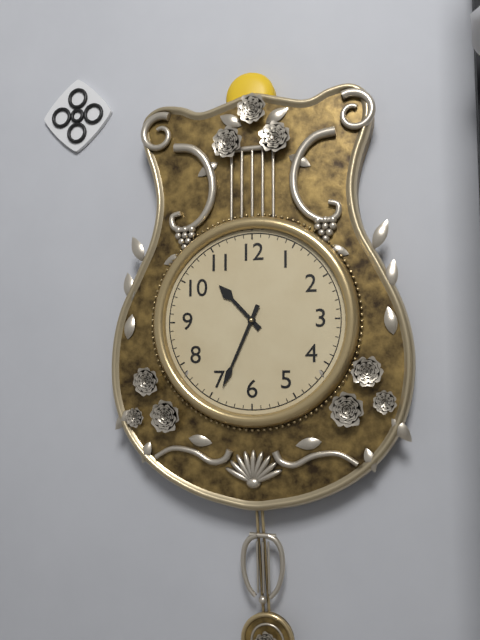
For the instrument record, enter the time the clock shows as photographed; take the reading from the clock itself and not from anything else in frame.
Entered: 10:34
